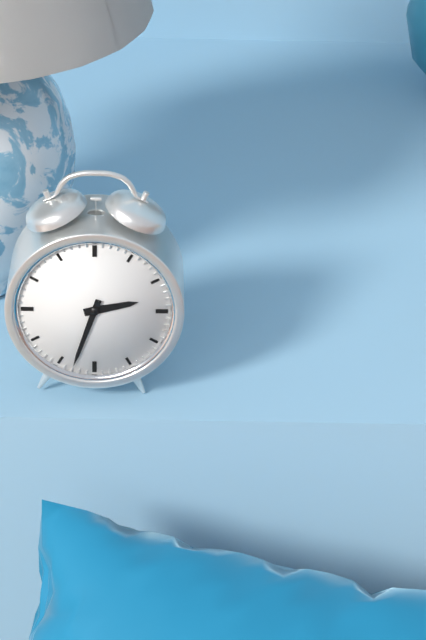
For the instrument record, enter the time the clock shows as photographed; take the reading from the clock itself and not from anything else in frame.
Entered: 2:33
